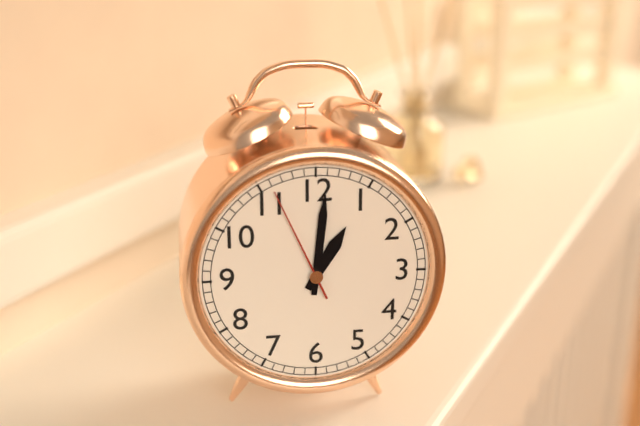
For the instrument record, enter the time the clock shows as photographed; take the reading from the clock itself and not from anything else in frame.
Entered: 1:01:56
